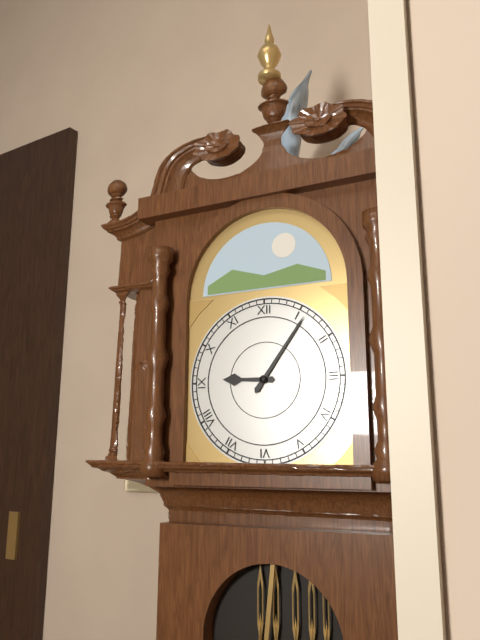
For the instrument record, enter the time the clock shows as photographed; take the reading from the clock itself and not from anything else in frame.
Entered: 9:06
